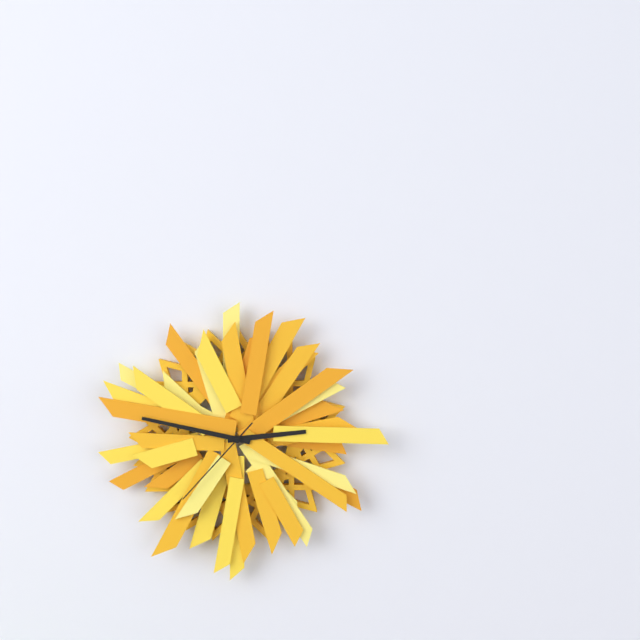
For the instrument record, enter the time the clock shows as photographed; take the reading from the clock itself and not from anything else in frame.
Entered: 2:47:37
